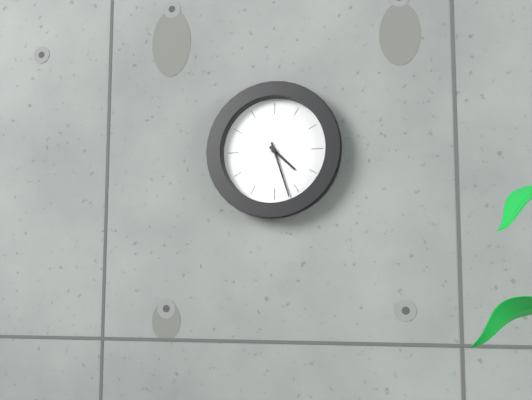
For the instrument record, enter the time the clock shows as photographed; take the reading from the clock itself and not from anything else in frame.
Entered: 4:27
